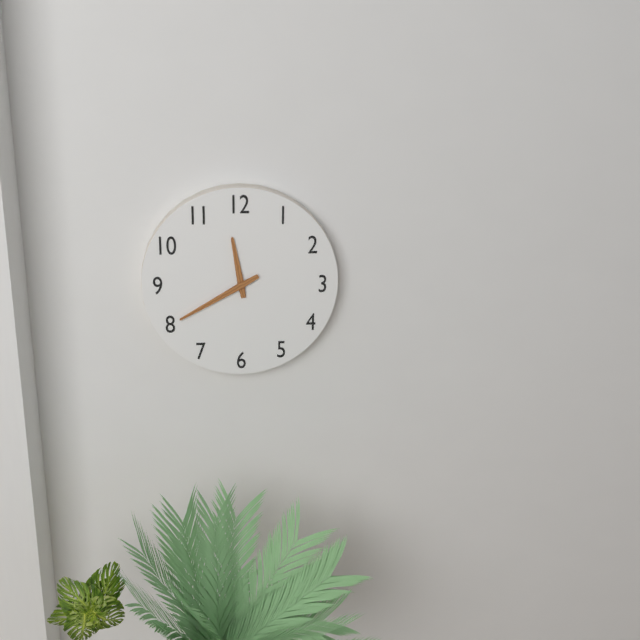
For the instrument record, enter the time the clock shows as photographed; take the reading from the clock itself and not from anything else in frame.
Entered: 11:40
